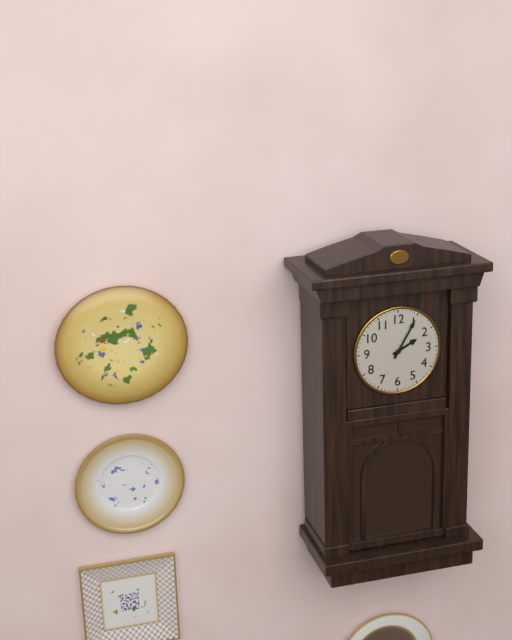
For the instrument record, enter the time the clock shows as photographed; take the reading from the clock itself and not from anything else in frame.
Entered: 2:05
